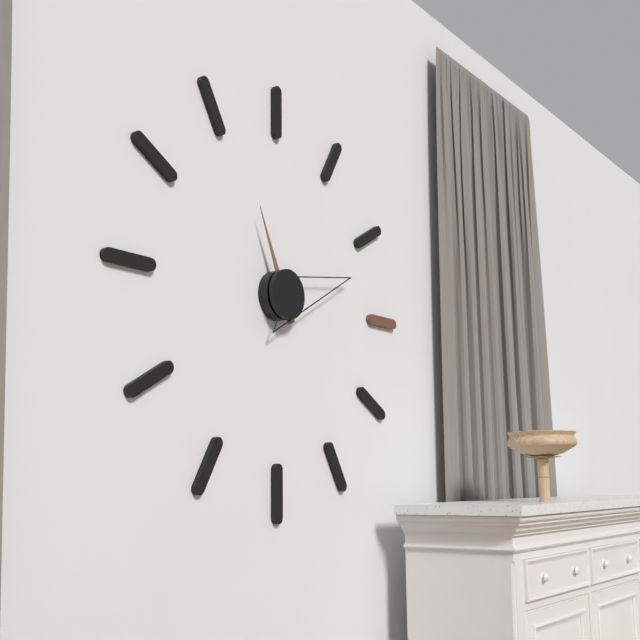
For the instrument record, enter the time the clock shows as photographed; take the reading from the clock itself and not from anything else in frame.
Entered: 11:12
